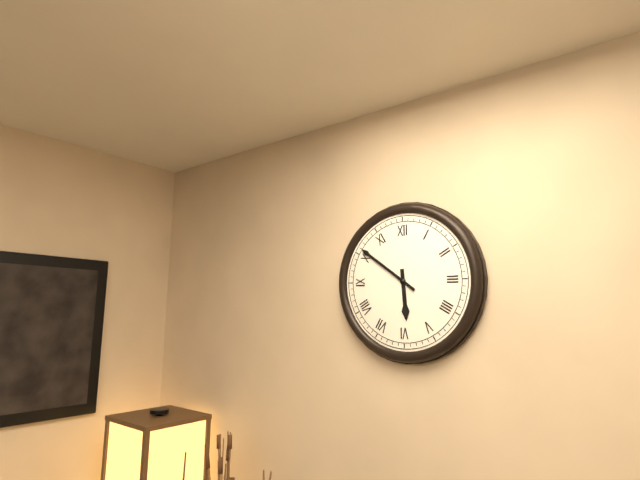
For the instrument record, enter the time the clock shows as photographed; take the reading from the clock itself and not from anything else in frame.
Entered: 5:51
